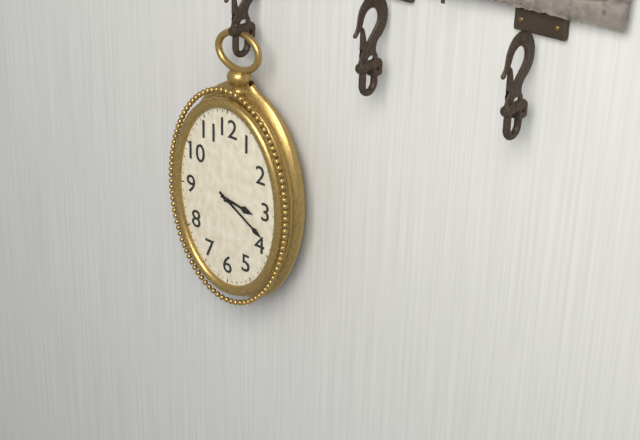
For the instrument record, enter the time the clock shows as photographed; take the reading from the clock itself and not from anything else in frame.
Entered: 3:20
